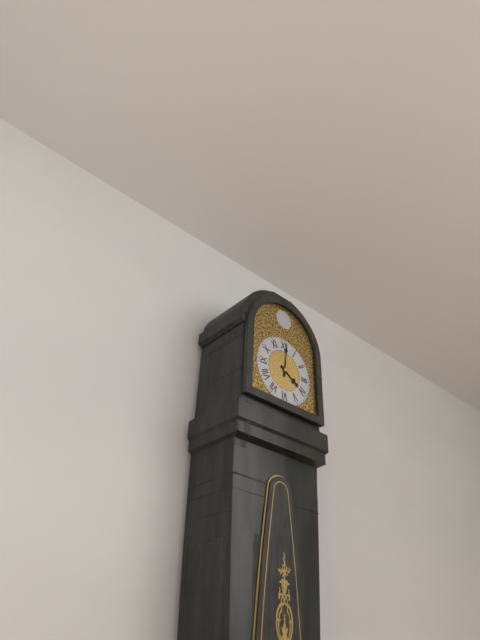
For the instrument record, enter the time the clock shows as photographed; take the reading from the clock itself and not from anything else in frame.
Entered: 4:01
